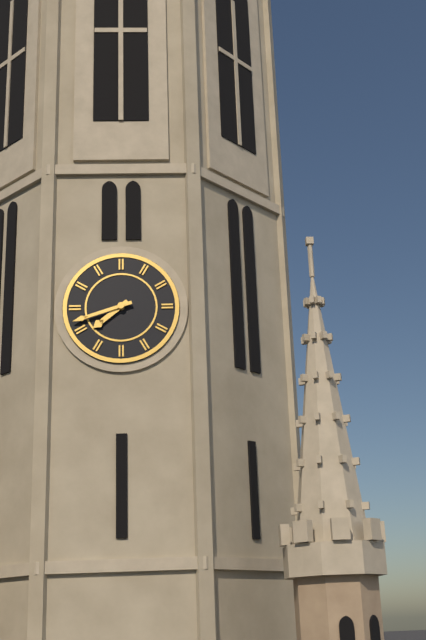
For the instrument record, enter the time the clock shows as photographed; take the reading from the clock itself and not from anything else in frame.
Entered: 7:42
